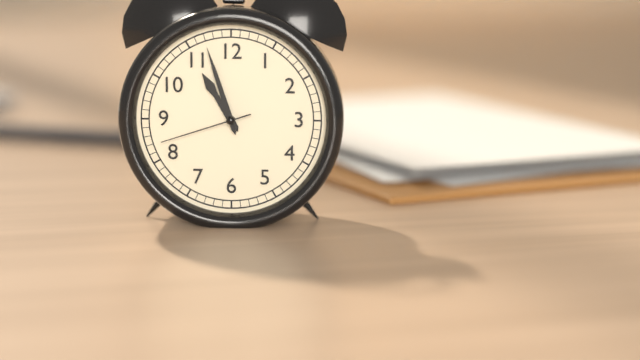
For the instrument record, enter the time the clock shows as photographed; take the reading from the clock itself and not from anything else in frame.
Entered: 10:57:42
